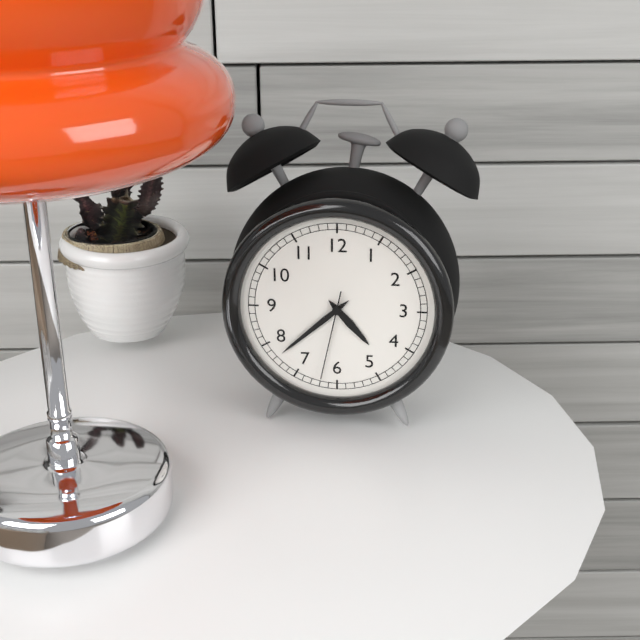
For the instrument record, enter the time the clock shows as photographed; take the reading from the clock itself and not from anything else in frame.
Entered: 4:38:32
